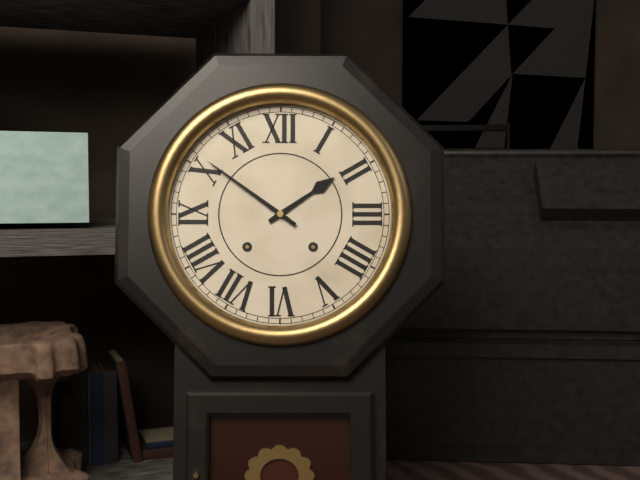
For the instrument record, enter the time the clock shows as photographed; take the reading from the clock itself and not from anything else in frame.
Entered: 1:51
